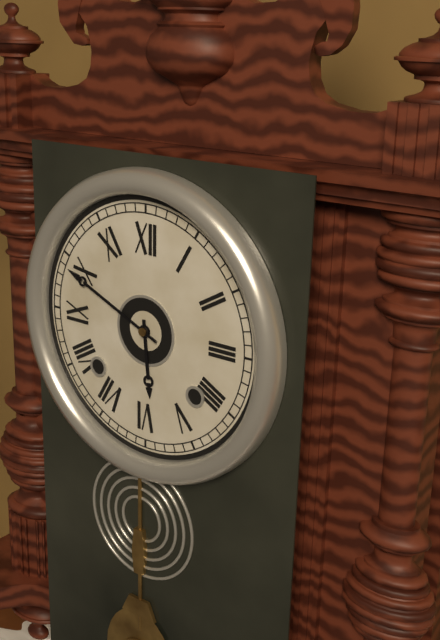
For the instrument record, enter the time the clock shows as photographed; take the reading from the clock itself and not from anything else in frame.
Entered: 5:49
